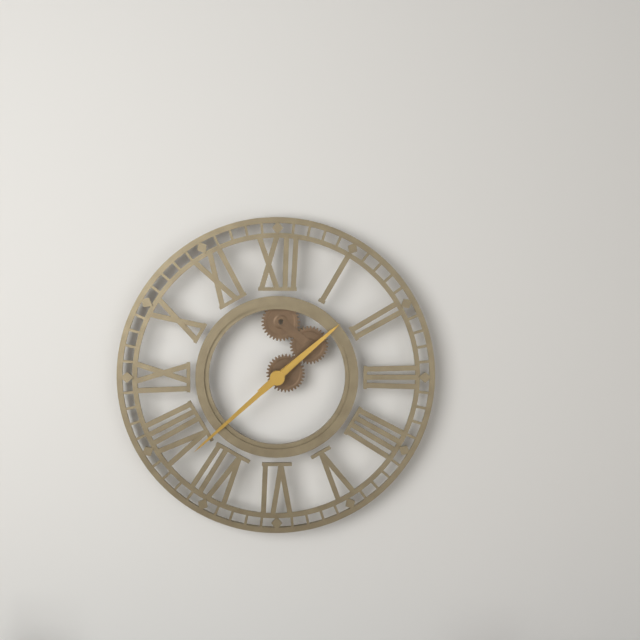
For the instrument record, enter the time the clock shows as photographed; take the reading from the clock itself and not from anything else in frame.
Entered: 1:38
